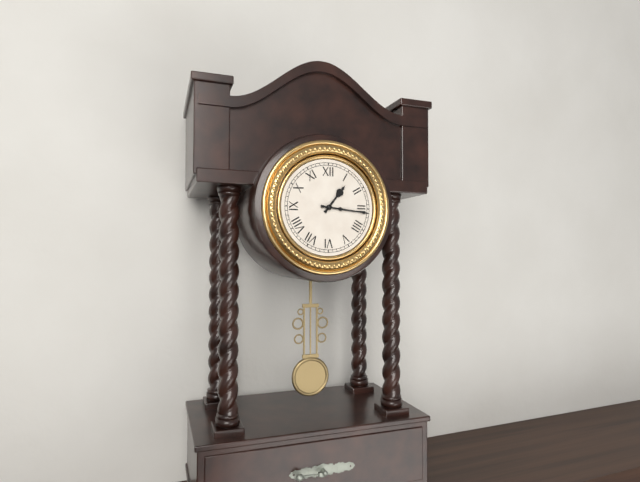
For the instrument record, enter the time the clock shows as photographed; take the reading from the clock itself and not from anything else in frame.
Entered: 1:16
